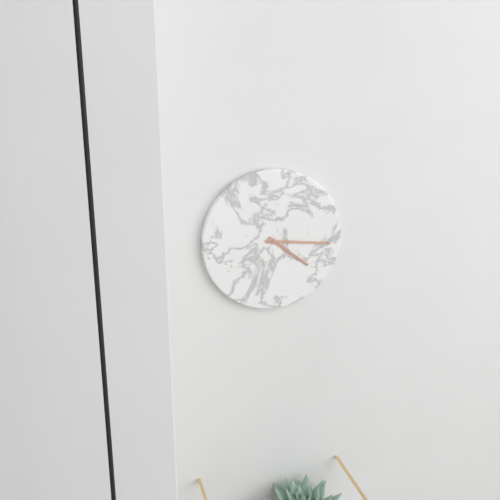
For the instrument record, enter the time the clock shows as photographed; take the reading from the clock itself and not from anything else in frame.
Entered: 4:16
